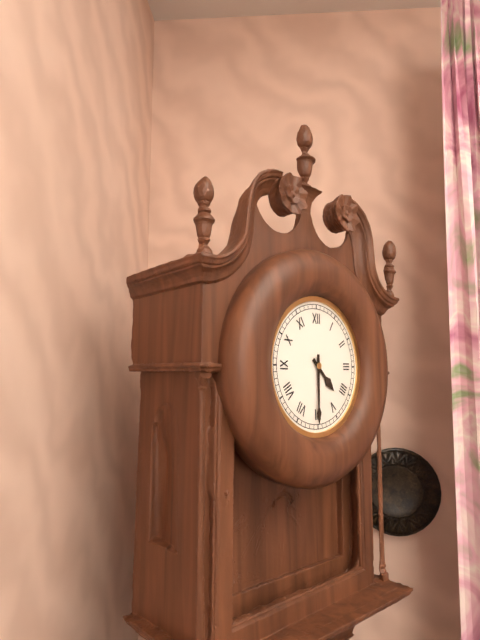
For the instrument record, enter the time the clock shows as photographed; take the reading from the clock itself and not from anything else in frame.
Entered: 4:30
